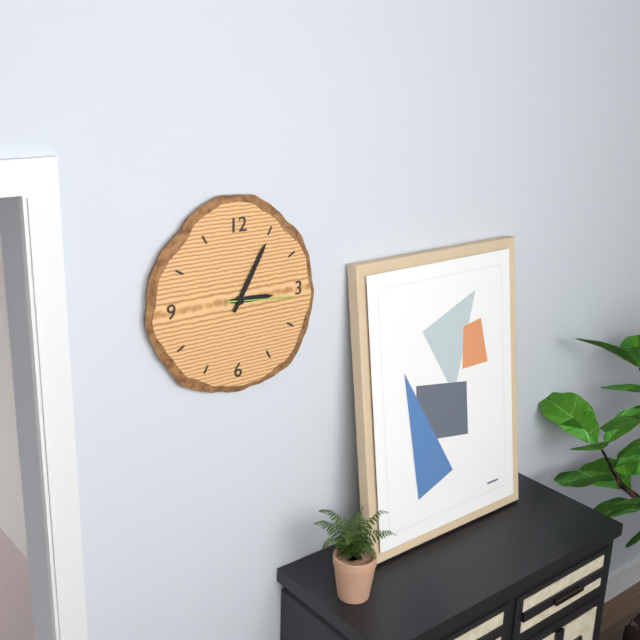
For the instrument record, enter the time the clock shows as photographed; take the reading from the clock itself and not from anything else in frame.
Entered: 3:05:16
